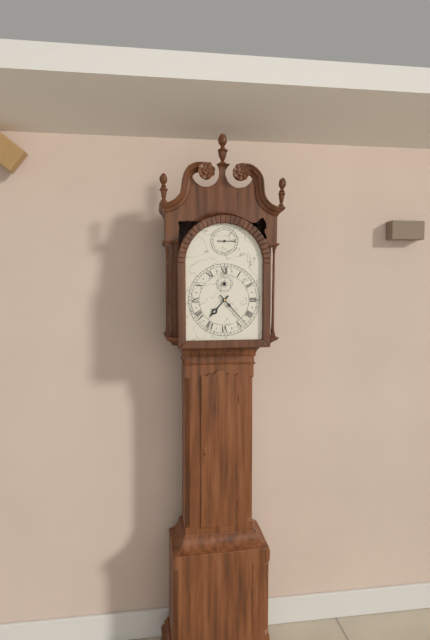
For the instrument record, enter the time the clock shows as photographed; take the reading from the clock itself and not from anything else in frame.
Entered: 7:23
